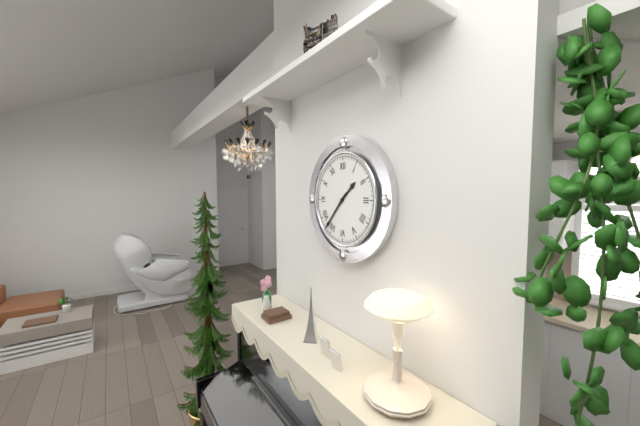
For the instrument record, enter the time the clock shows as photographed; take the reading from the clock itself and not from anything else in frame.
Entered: 1:37
